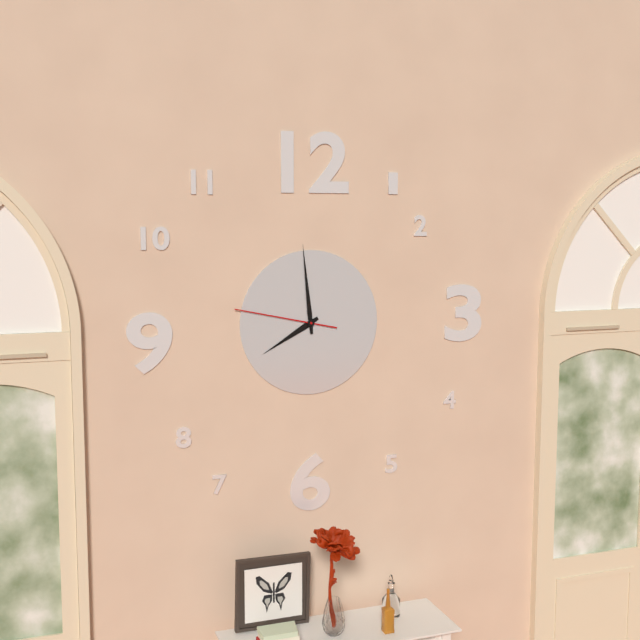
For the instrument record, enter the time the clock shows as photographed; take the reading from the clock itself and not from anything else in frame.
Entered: 7:59:47
